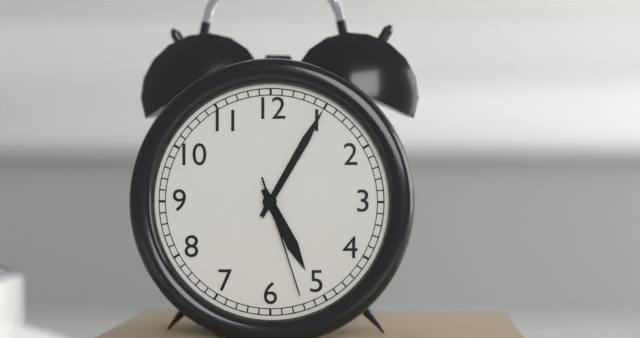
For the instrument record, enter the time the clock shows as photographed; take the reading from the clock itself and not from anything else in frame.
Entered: 5:05:27
